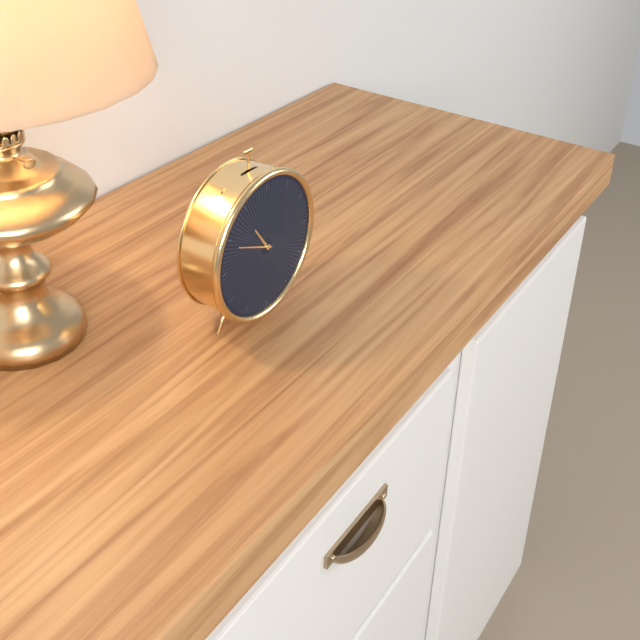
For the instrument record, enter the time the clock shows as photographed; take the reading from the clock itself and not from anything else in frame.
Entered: 10:49
